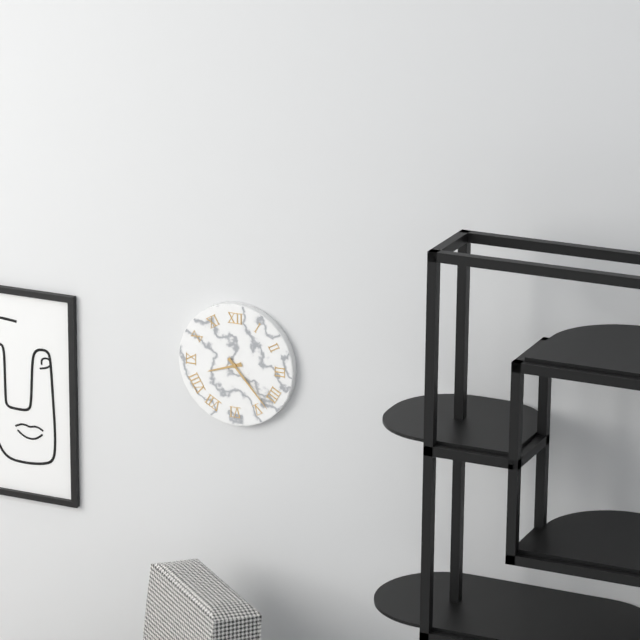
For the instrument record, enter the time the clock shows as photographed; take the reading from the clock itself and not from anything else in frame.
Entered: 8:23
